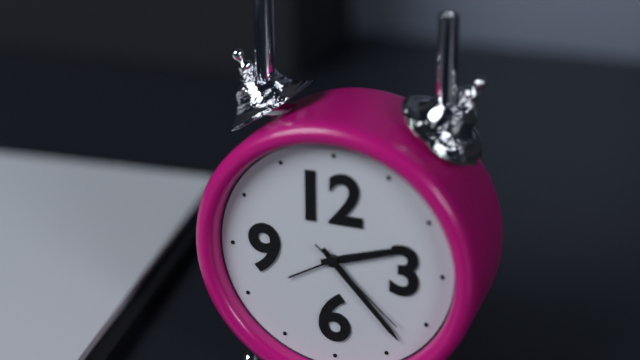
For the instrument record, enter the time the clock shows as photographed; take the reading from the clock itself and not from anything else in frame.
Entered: 2:23:22
